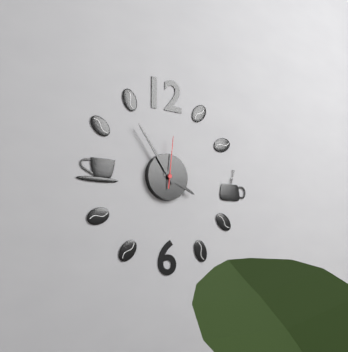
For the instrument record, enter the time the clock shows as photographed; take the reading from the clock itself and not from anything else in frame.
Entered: 3:54:01
